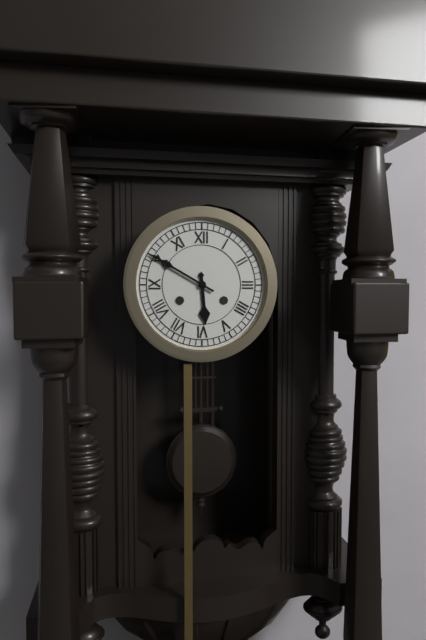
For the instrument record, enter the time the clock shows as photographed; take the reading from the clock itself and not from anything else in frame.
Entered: 5:50
